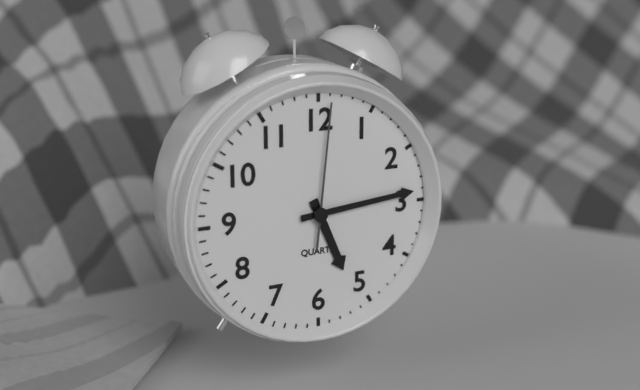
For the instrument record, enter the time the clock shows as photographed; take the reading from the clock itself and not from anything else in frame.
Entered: 5:14:01
